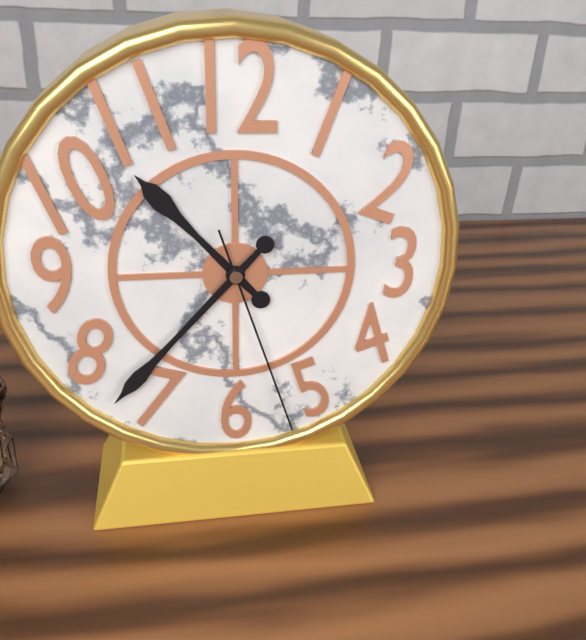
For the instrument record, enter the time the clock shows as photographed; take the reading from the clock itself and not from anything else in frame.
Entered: 10:37:27
